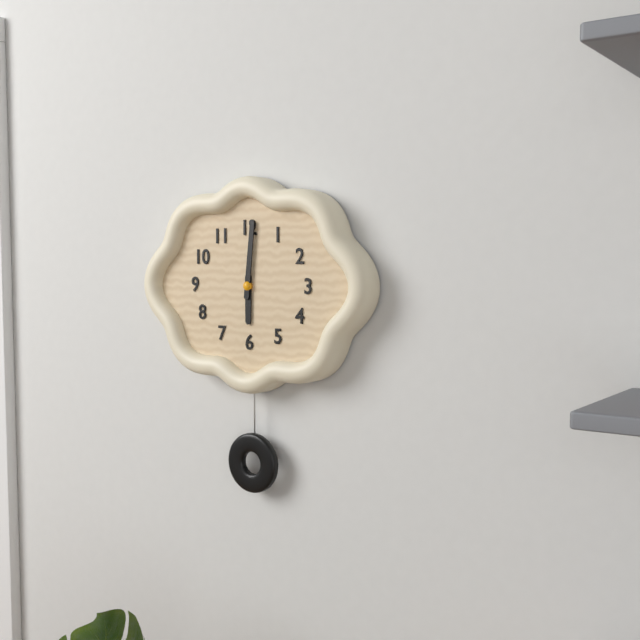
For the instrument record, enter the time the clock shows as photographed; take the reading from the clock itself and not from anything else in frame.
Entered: 6:01
